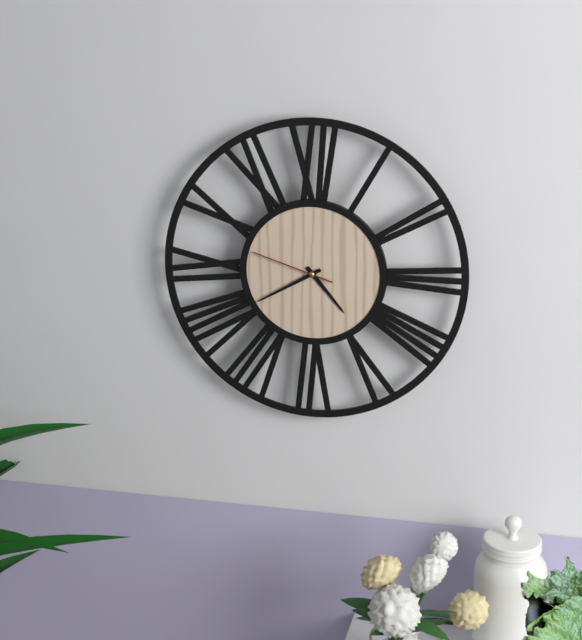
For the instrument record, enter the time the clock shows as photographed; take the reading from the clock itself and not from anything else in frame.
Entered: 4:40:48
